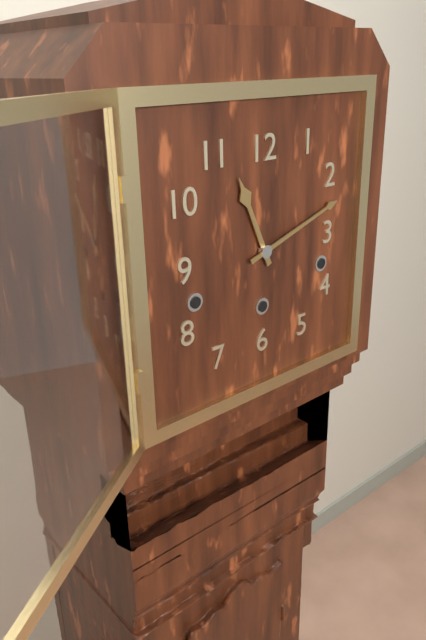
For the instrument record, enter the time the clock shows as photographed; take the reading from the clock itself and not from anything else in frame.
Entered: 11:12
